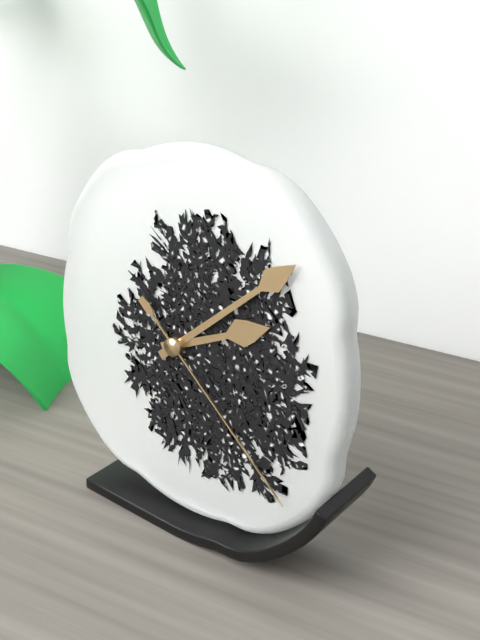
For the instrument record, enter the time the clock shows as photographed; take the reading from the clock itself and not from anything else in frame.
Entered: 2:08:22
